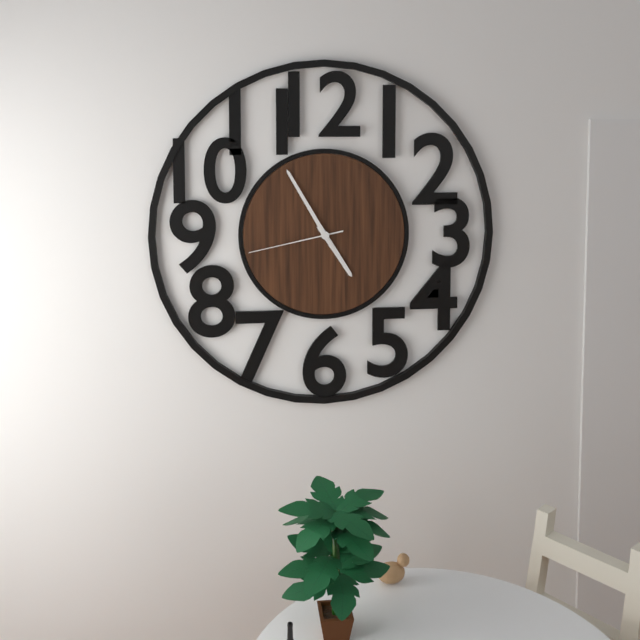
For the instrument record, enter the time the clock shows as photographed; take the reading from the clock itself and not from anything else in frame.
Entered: 4:55:43
